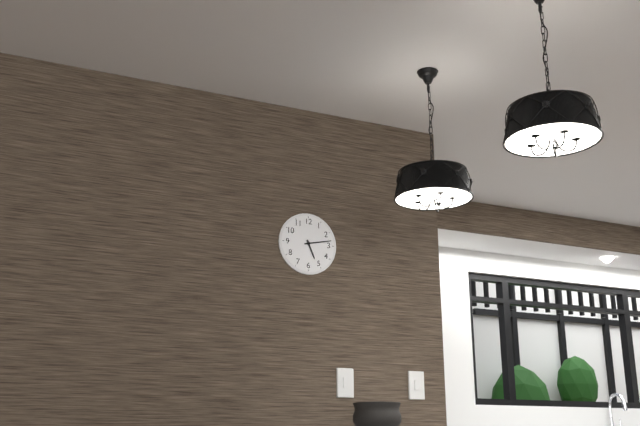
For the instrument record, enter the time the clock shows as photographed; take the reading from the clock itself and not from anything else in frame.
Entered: 5:13
